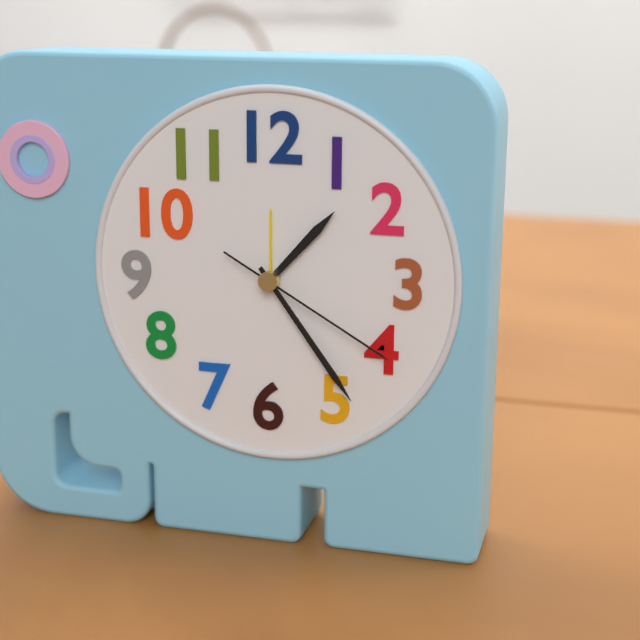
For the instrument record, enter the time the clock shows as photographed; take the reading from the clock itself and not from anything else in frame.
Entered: 1:24:20
